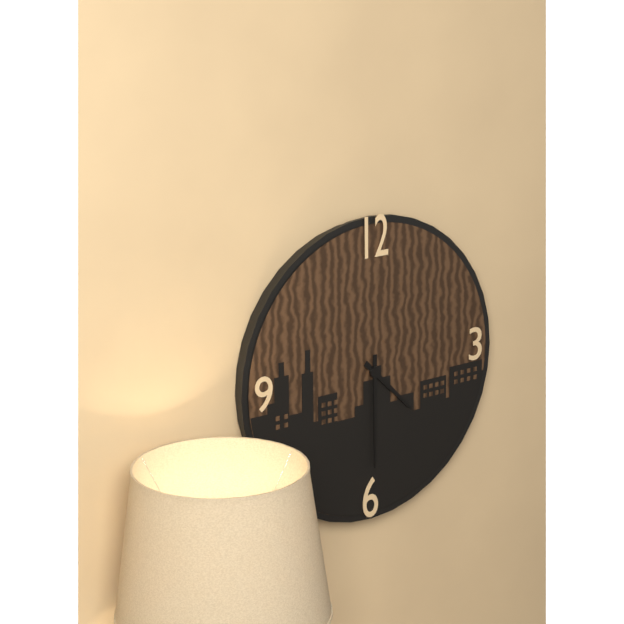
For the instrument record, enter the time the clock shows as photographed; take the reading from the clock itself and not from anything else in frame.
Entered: 4:30
